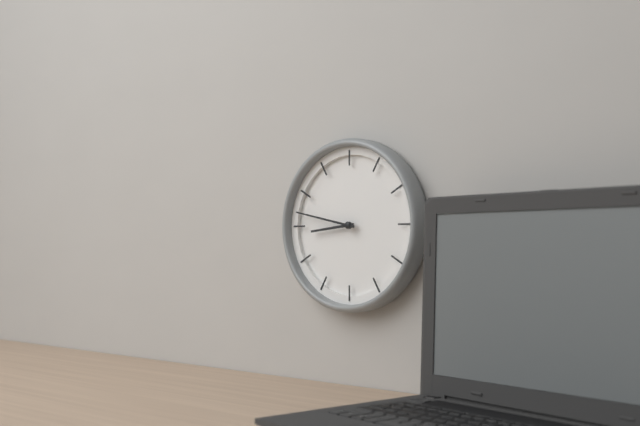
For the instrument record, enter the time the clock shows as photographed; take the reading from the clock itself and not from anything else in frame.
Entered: 8:47
